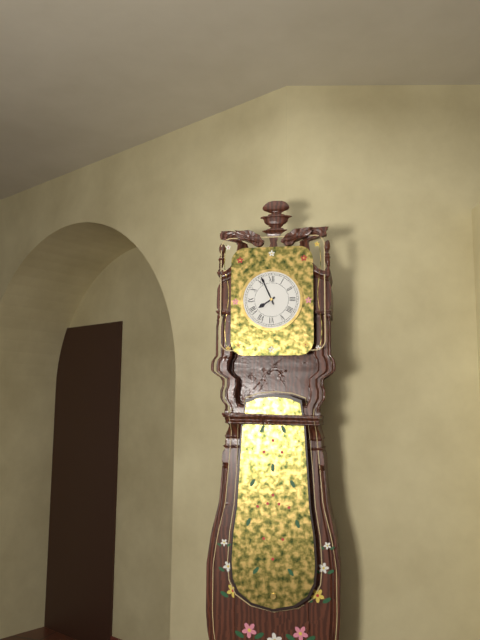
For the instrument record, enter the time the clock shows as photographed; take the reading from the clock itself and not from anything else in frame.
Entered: 7:56
